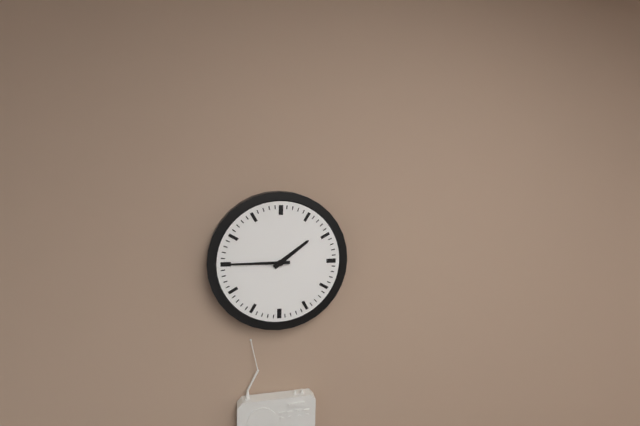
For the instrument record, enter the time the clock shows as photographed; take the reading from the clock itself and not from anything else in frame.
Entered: 1:45
